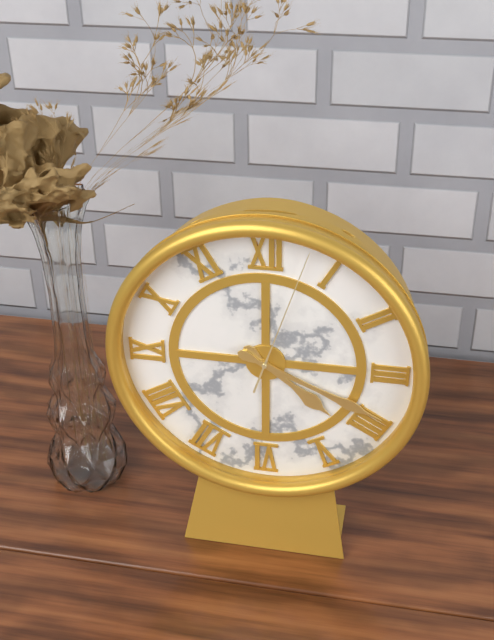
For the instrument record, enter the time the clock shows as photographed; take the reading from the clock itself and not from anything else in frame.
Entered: 4:19:03
